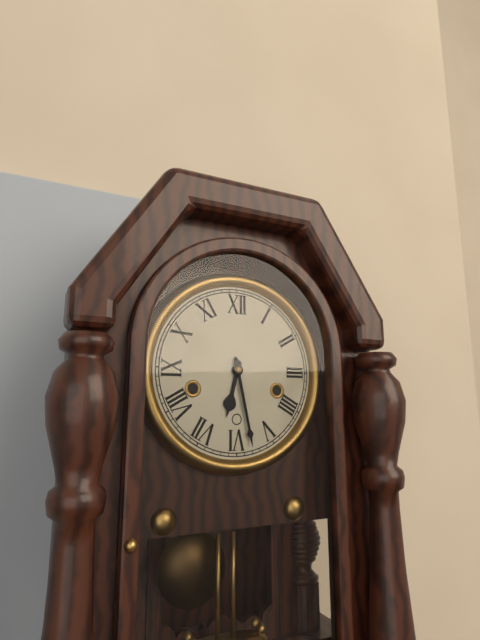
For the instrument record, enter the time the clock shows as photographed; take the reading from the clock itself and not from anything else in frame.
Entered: 6:28
